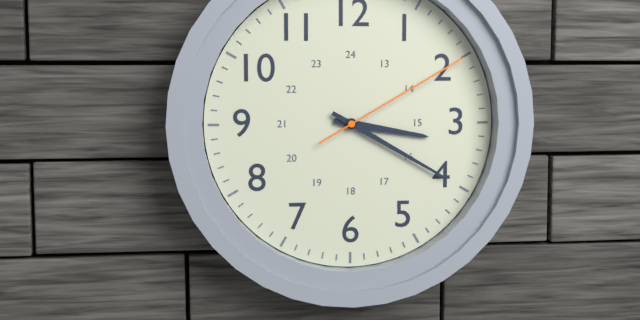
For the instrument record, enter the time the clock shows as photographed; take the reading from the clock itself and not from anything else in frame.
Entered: 3:20:10
